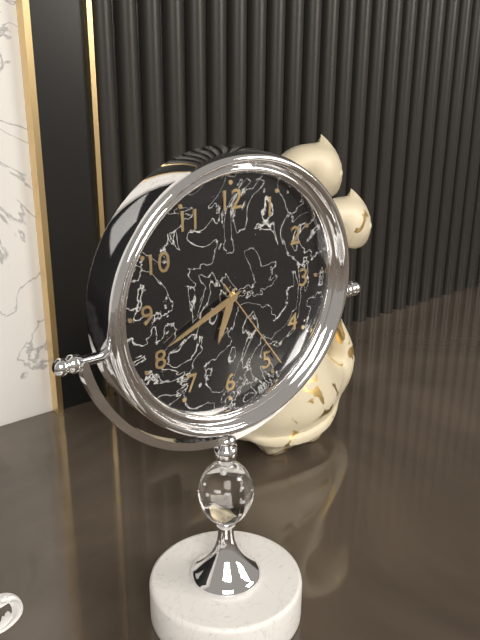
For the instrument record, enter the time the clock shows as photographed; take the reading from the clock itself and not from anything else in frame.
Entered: 6:41:24
